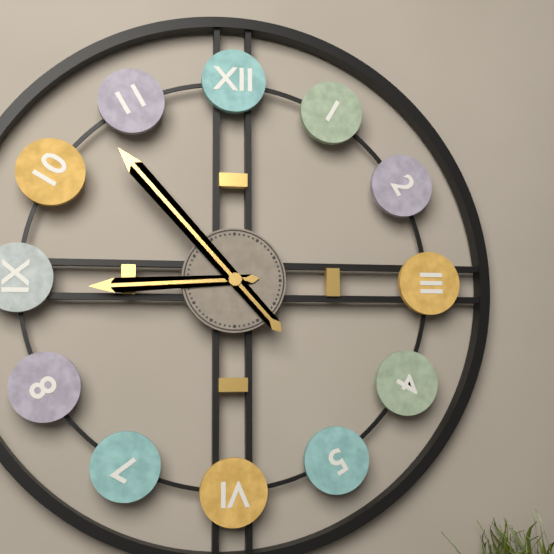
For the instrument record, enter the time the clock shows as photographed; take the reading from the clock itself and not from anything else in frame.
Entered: 8:53
